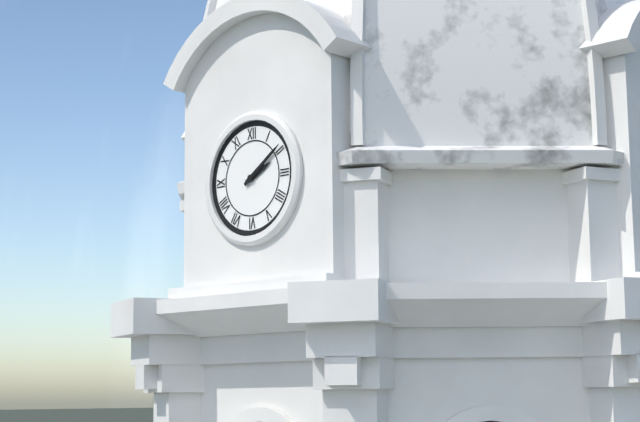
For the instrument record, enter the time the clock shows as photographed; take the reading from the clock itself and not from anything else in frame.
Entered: 2:09
